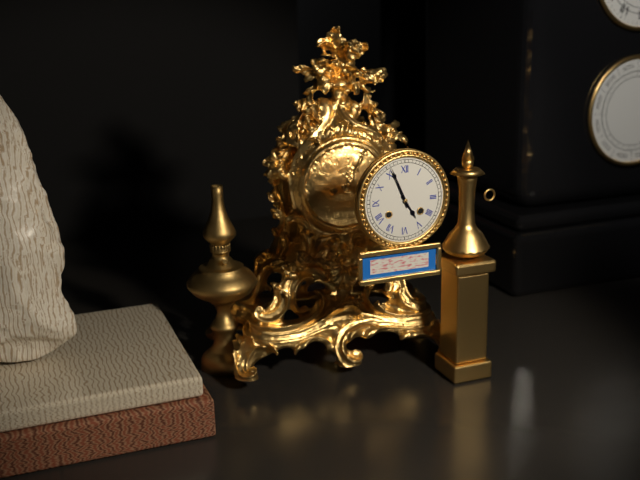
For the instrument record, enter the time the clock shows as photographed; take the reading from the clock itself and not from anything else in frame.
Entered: 4:56
